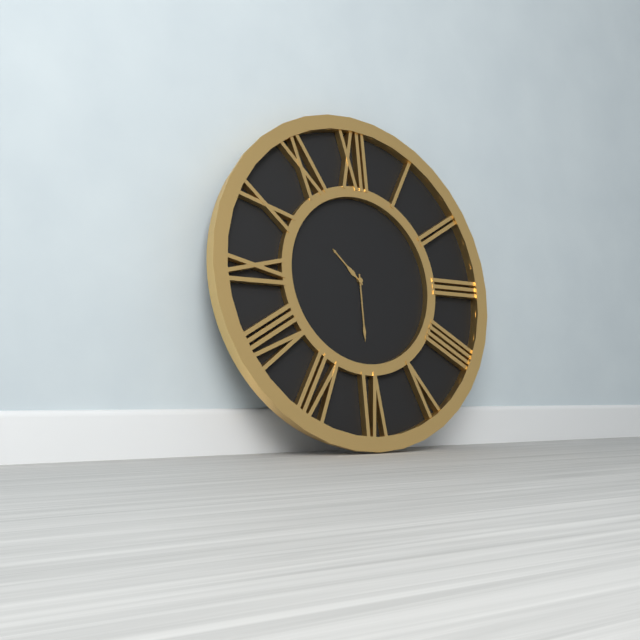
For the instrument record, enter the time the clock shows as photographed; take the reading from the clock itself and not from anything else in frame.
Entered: 10:30
